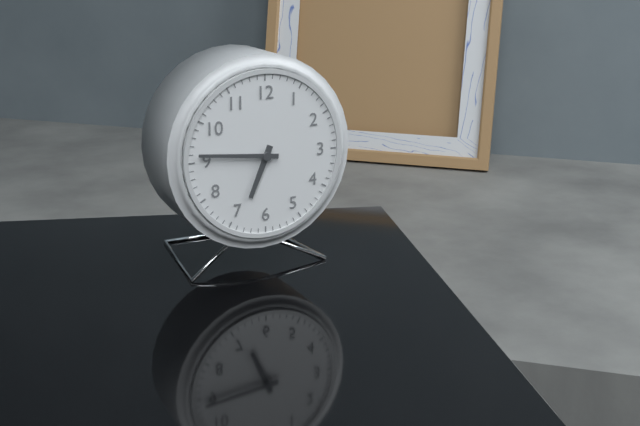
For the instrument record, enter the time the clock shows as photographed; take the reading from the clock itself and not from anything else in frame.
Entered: 6:46
